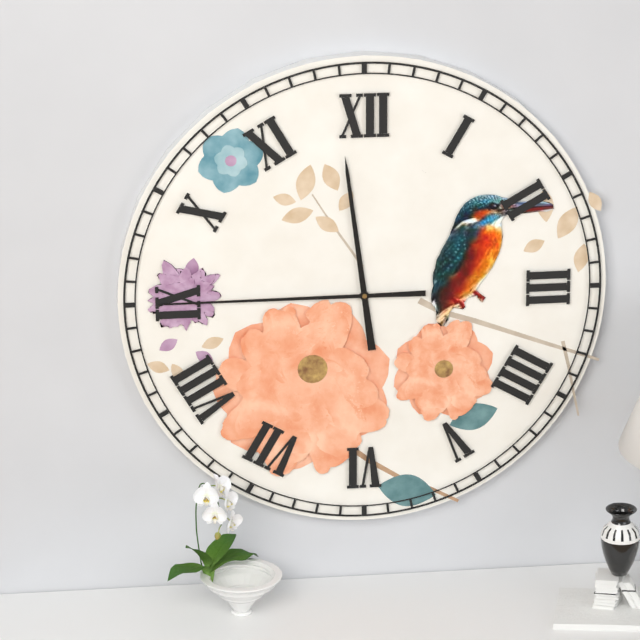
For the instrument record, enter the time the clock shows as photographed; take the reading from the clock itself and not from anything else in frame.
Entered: 11:45
